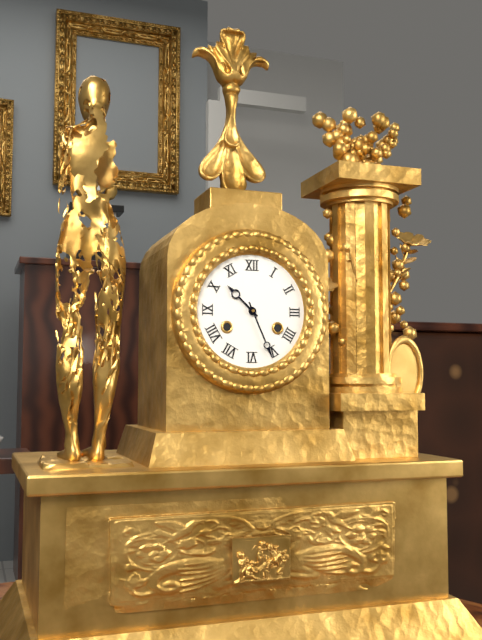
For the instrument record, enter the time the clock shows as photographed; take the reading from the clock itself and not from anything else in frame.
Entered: 10:26
